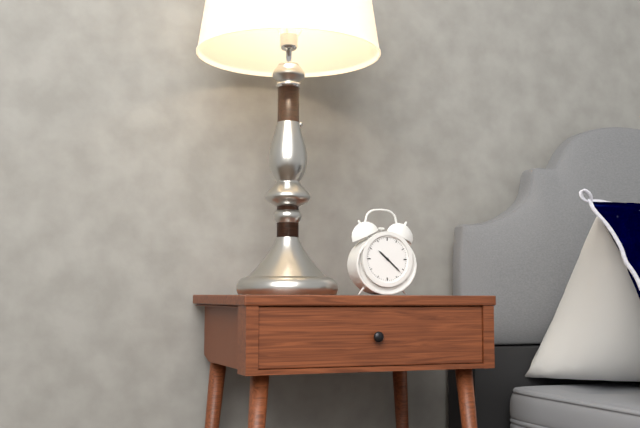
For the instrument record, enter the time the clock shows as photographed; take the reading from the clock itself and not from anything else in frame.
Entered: 10:22
